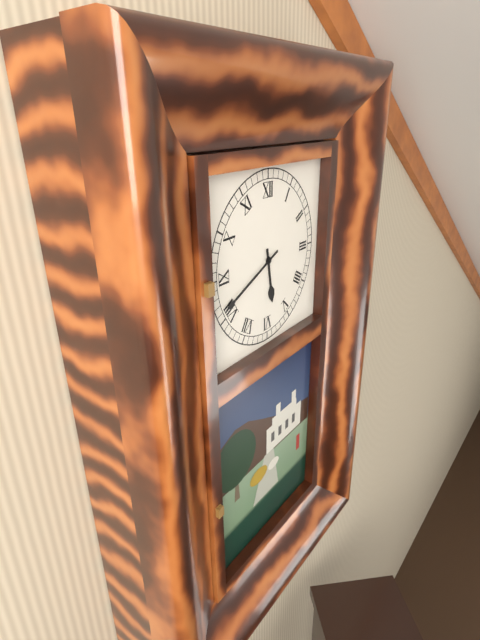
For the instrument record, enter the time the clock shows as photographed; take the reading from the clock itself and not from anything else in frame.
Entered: 5:41
